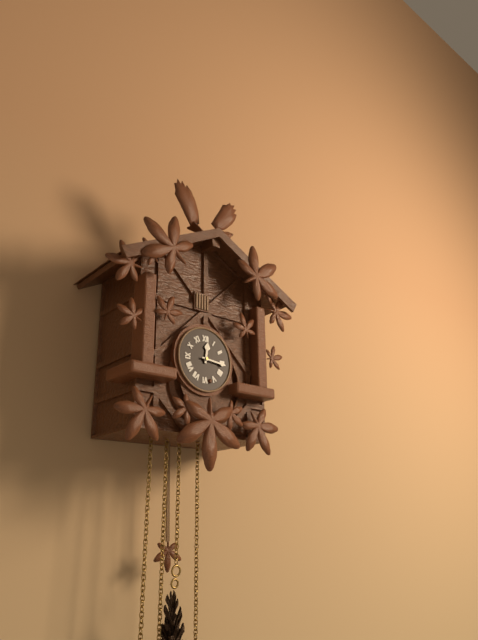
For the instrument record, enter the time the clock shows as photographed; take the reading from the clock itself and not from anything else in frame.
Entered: 12:16
